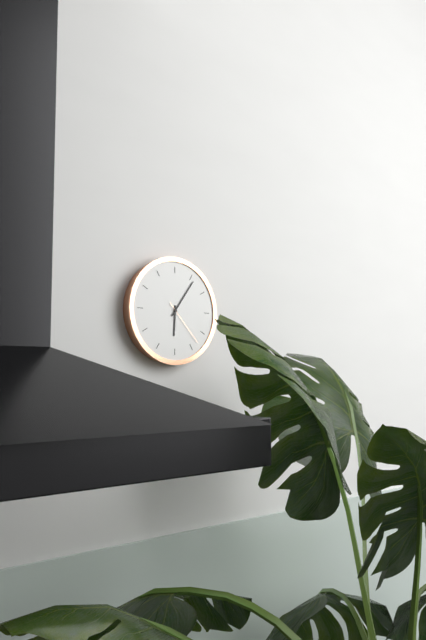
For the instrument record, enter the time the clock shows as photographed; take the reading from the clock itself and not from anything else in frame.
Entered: 6:06
